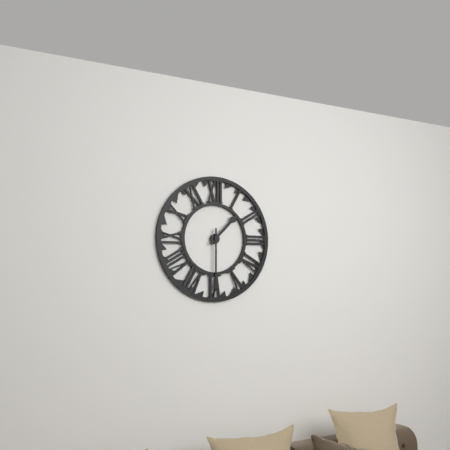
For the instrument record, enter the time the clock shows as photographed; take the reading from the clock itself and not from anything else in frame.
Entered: 1:30
